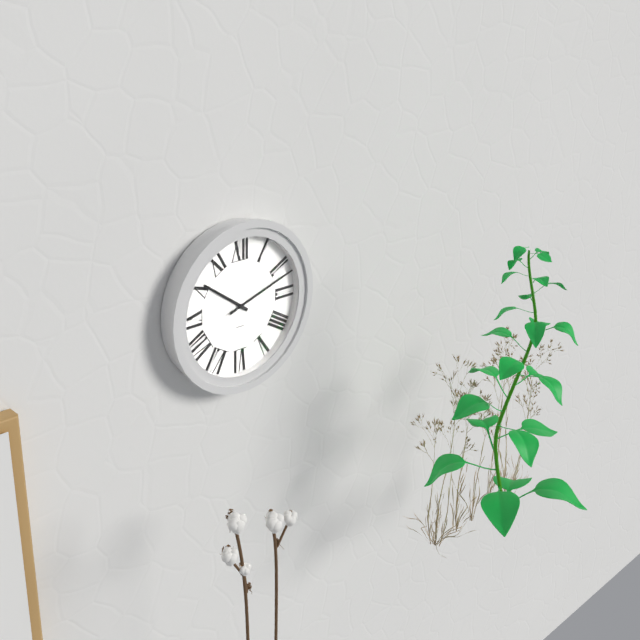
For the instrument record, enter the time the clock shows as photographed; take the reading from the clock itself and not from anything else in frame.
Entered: 10:12
